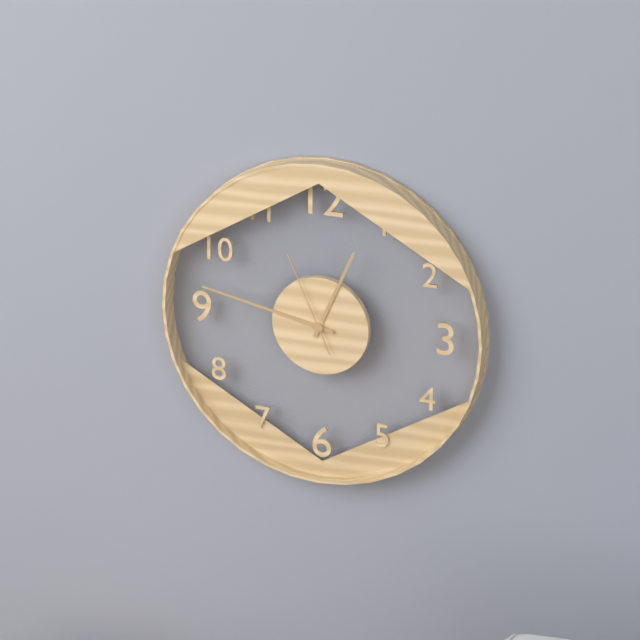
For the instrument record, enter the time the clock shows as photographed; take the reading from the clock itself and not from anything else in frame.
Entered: 12:47:56
